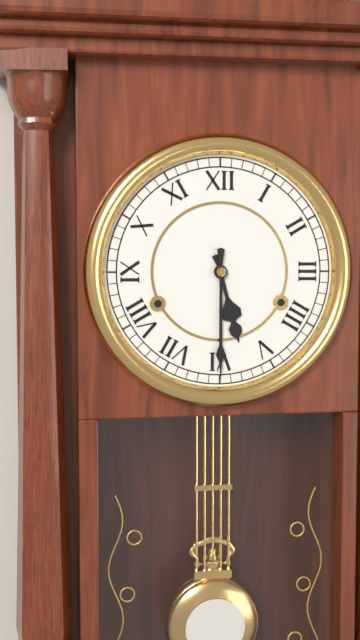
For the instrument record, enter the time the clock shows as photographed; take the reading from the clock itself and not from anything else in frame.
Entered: 5:30
